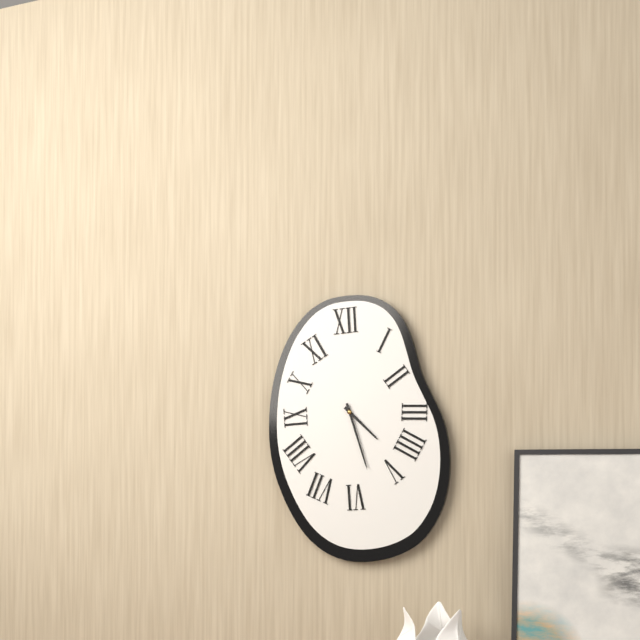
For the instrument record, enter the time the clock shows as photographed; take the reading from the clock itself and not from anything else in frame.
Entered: 4:27
